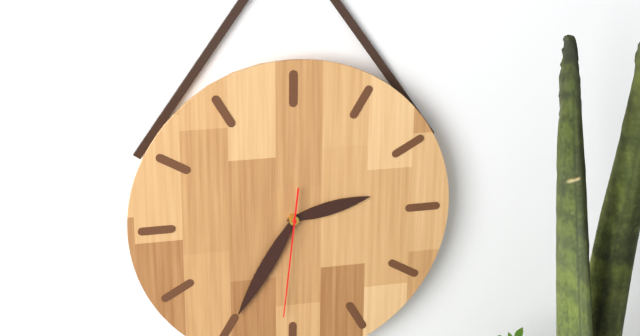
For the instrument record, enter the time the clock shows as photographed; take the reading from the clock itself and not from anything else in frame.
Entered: 2:35:31
